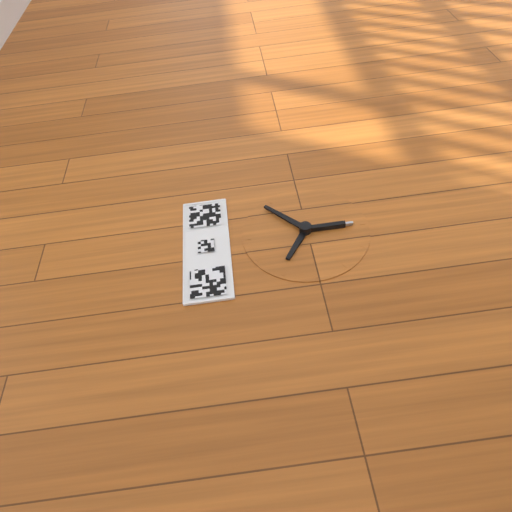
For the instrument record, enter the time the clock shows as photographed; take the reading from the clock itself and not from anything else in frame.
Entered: 10:08
